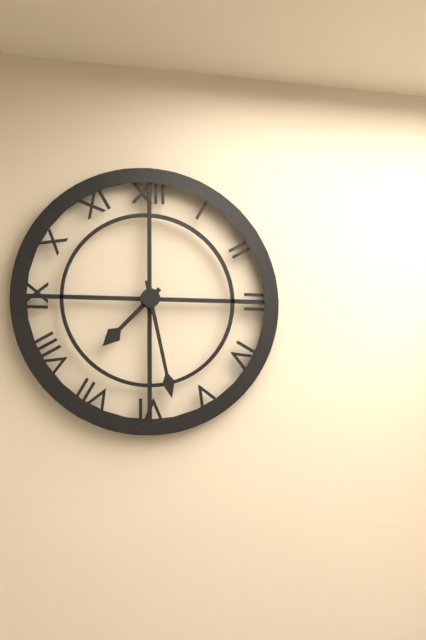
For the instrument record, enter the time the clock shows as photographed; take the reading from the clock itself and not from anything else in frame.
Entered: 7:28
